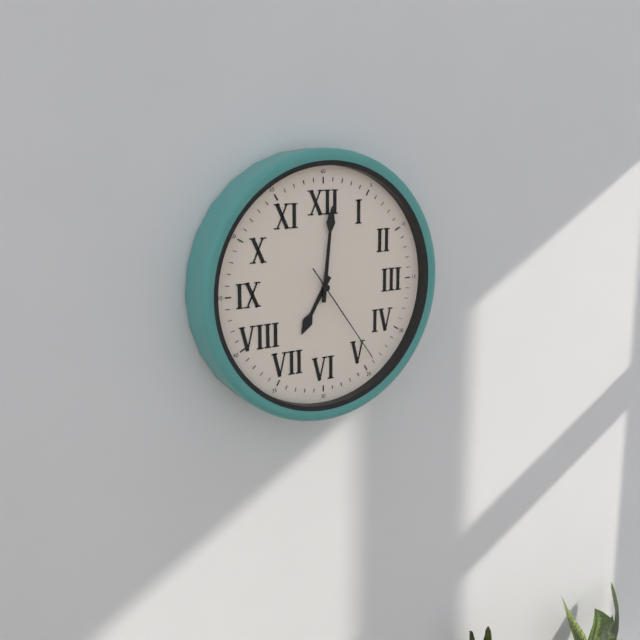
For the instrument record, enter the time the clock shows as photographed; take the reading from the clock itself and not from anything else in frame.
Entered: 7:01:24
